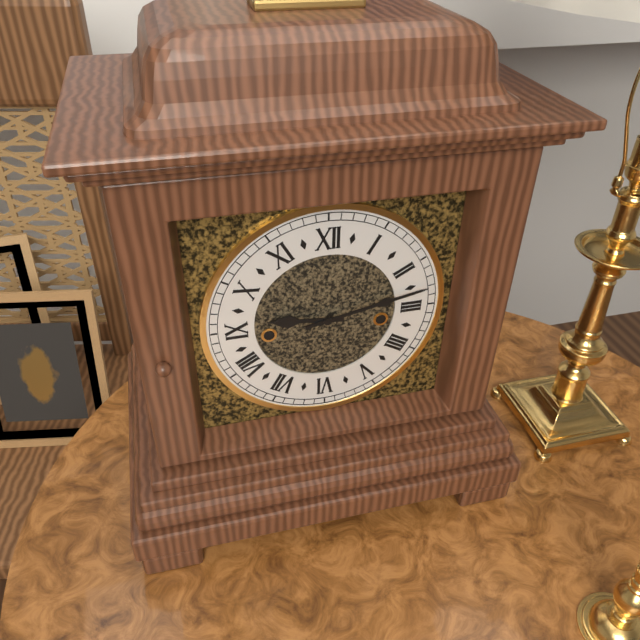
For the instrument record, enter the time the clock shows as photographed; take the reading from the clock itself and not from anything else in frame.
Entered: 9:13
